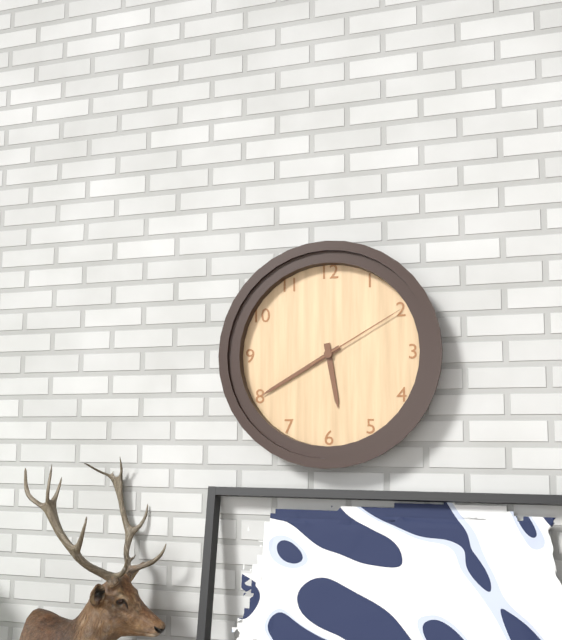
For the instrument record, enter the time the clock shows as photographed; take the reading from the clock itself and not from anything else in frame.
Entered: 5:40:10
